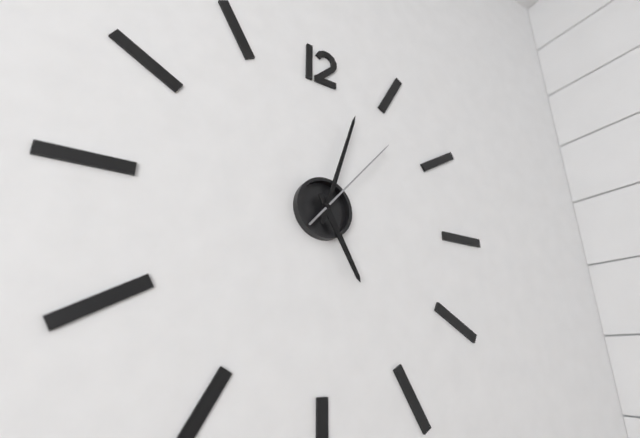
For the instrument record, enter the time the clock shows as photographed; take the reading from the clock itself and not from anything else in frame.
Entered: 5:03:07
